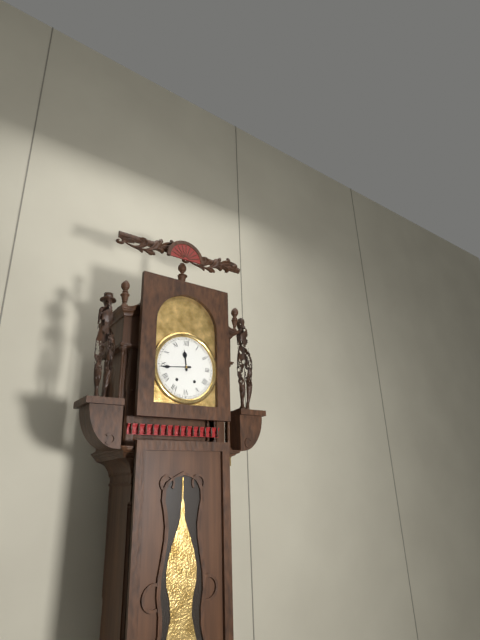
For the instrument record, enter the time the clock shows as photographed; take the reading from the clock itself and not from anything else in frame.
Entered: 11:44
